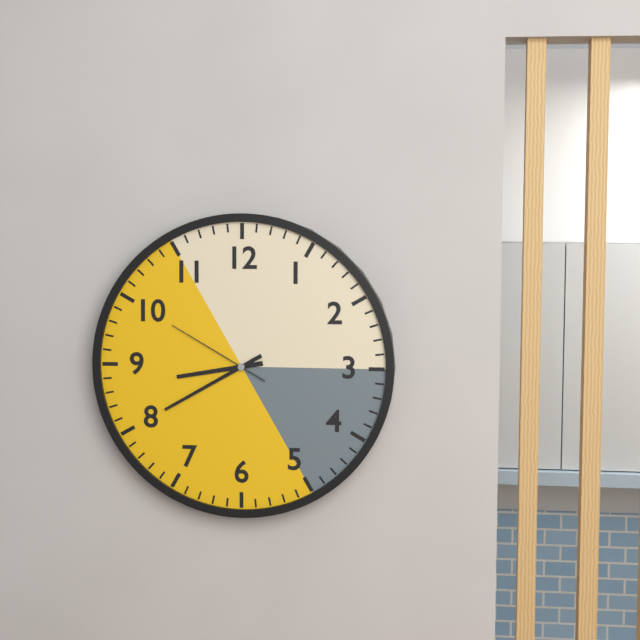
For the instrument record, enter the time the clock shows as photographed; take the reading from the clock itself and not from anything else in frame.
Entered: 8:40:50
